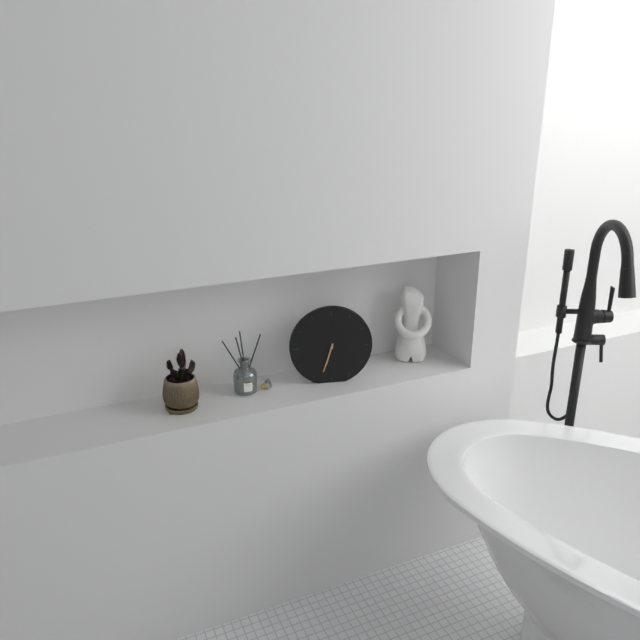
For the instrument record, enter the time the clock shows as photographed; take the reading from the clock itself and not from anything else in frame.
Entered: 6:33
